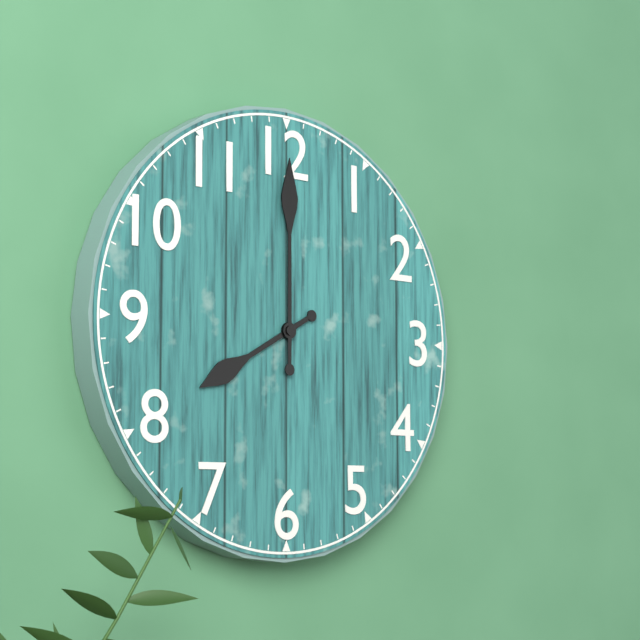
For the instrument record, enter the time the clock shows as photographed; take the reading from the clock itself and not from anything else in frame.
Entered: 8:00
